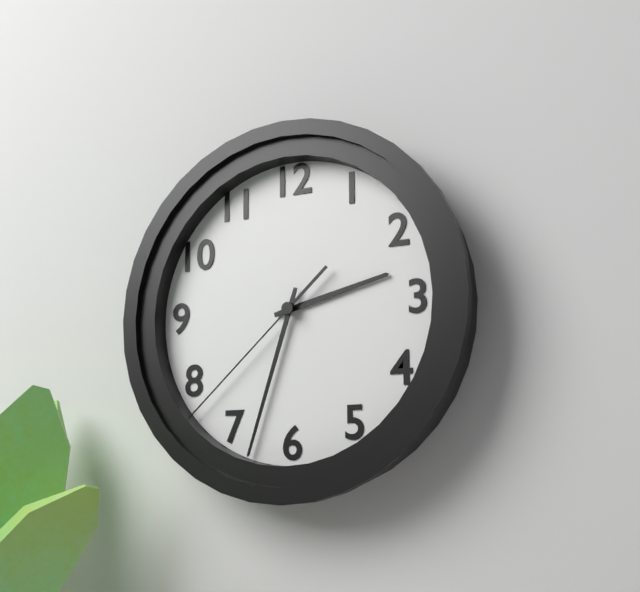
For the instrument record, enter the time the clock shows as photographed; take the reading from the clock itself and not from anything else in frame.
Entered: 2:33:38
